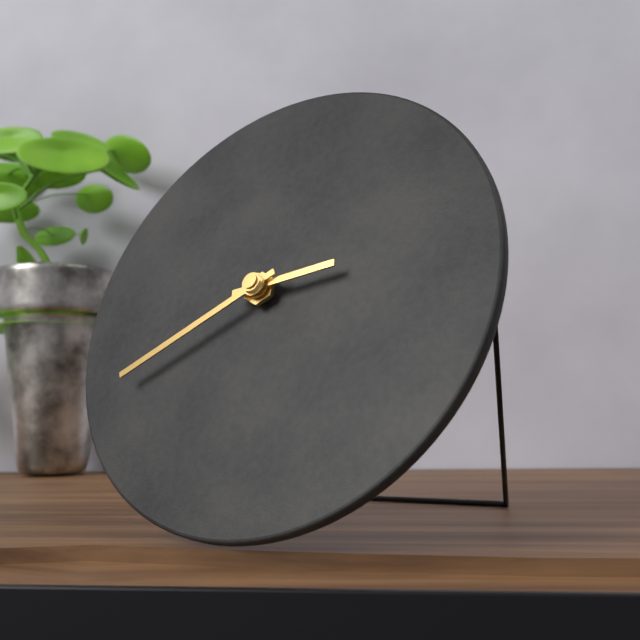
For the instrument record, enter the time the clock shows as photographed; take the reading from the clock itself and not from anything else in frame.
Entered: 2:40
